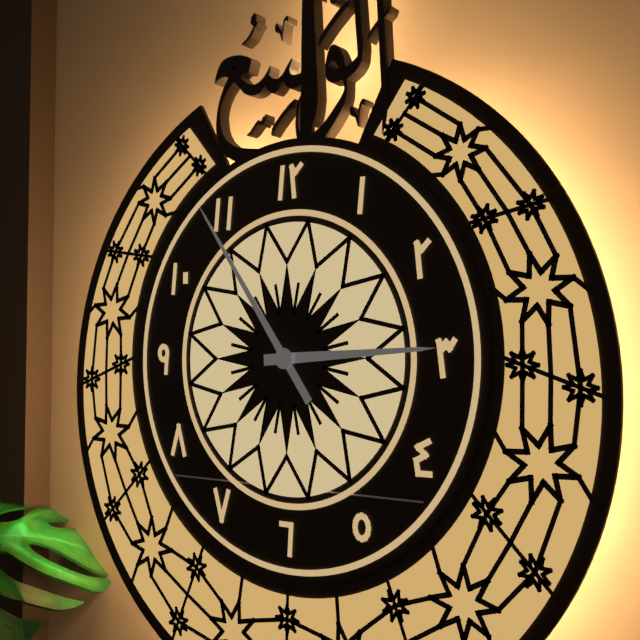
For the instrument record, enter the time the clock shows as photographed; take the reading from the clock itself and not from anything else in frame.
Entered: 2:54
